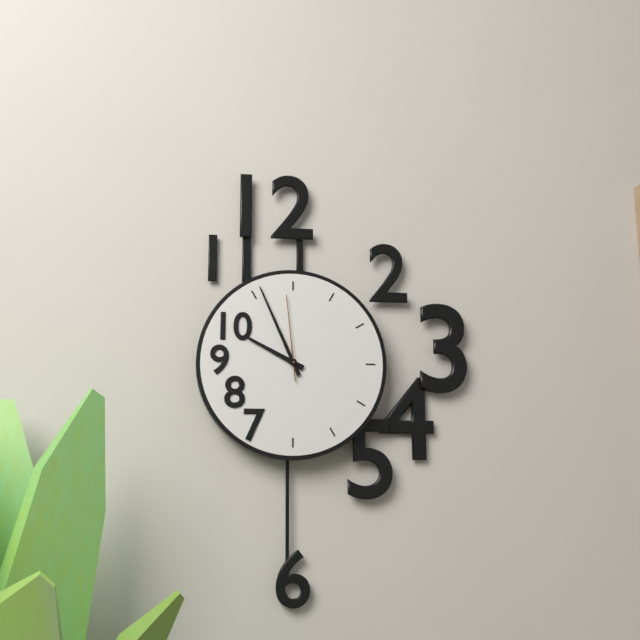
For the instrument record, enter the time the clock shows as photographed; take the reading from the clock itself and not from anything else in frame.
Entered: 9:56:59
